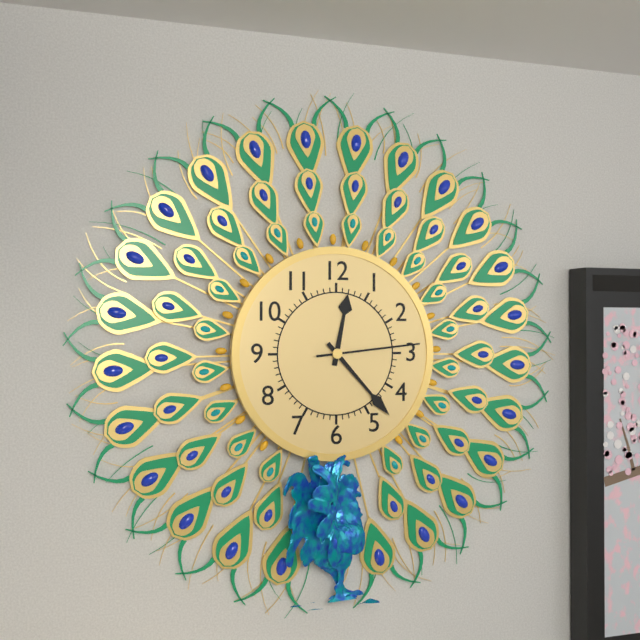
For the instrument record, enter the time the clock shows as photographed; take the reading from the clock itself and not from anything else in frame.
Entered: 12:23:14
